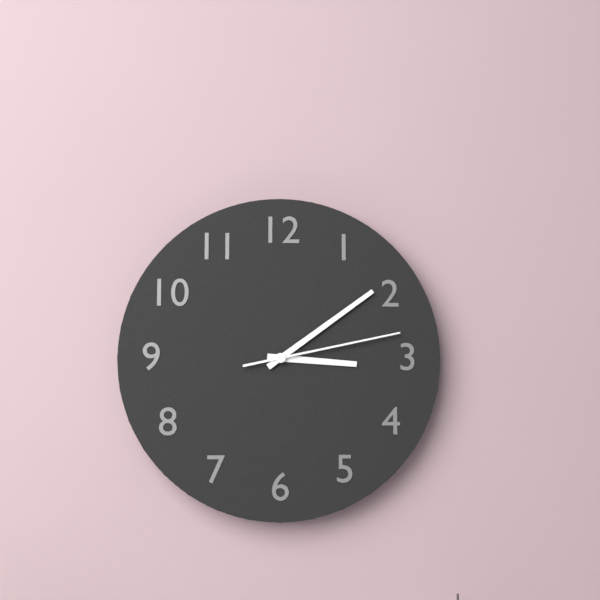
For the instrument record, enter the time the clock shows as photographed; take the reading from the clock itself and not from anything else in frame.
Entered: 3:09:13
